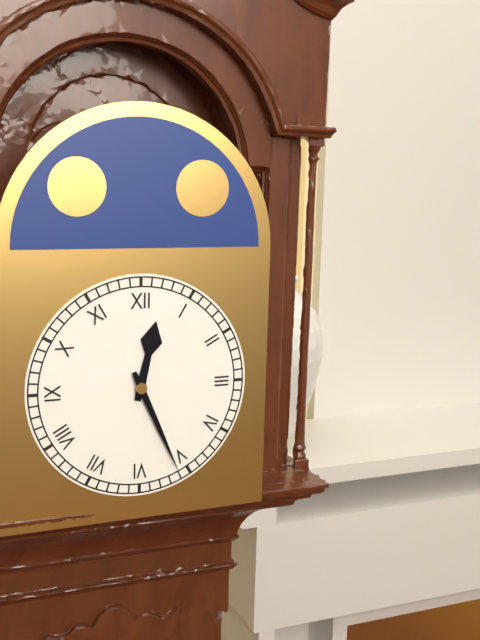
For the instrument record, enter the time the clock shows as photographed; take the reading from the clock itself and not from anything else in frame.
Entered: 12:26
